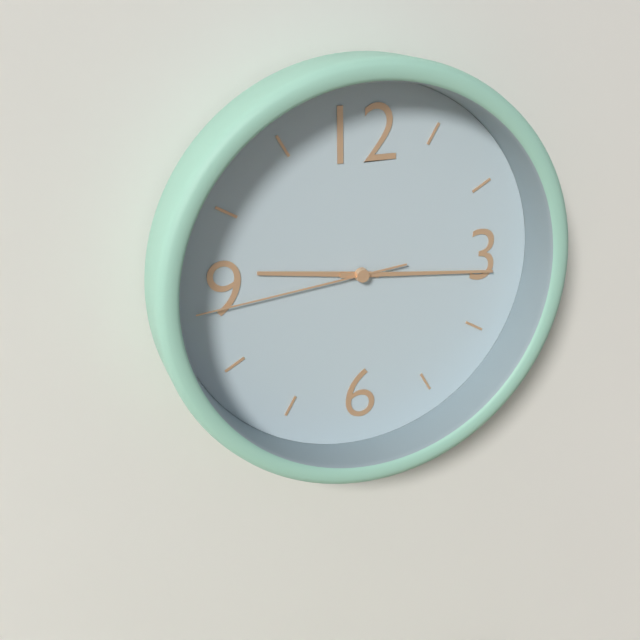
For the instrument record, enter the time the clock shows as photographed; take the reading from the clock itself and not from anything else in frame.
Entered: 9:16:44
